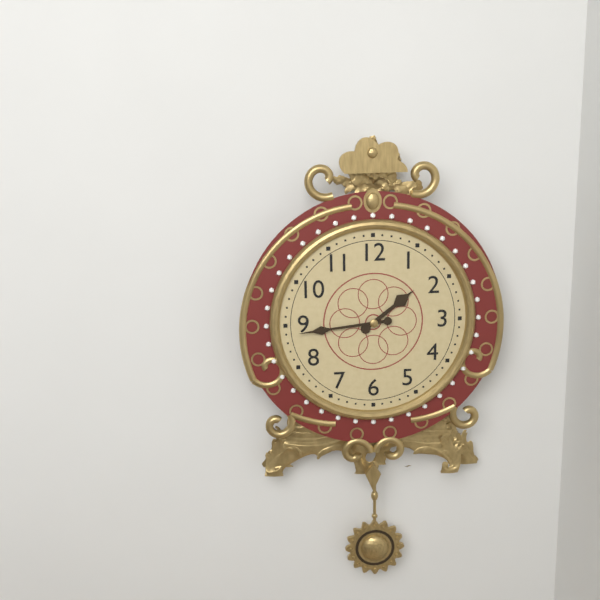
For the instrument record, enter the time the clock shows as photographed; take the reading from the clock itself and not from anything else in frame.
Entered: 1:44
